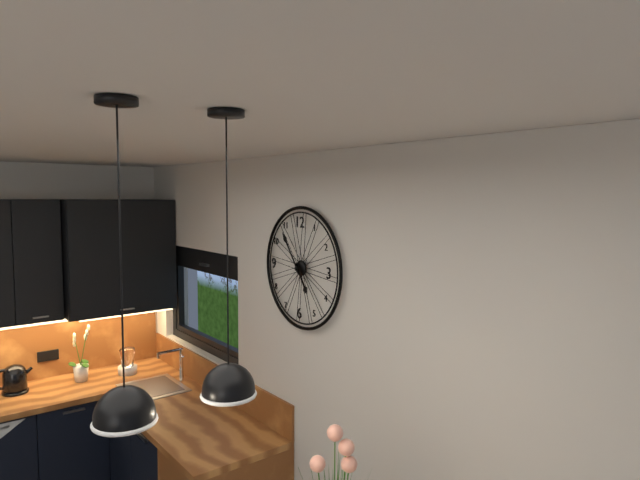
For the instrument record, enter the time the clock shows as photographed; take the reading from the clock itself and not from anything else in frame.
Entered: 4:54
